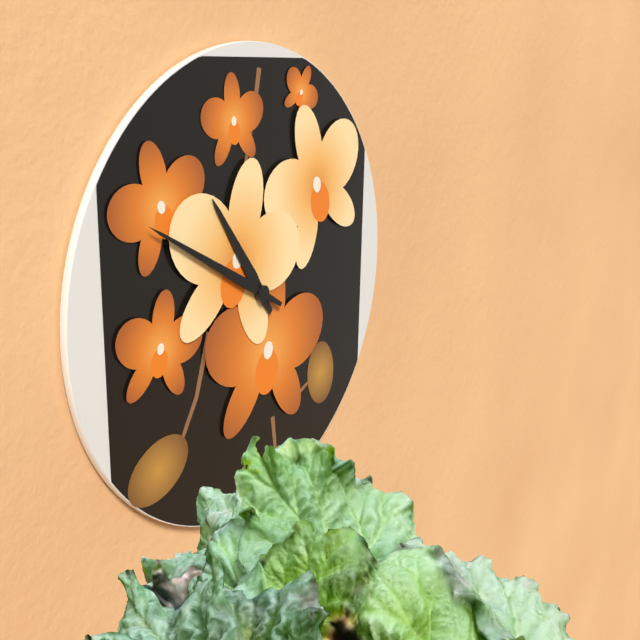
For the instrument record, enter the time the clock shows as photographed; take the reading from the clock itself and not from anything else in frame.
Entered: 10:50
